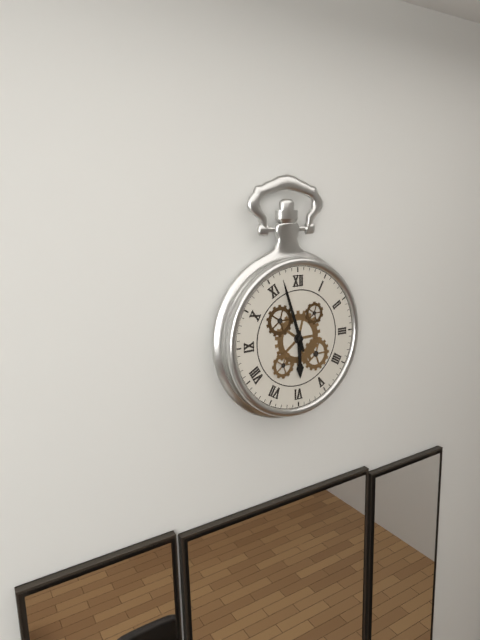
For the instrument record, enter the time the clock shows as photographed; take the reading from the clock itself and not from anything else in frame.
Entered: 5:57
